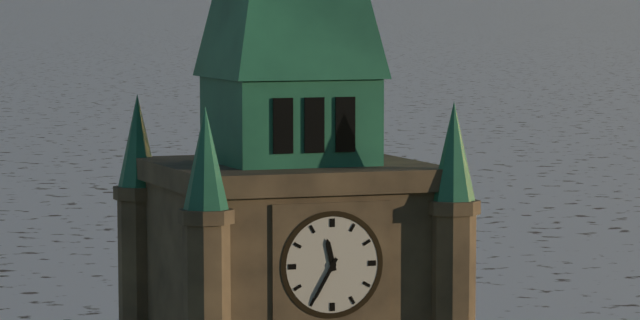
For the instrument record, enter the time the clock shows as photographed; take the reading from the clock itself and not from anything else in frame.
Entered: 11:35
